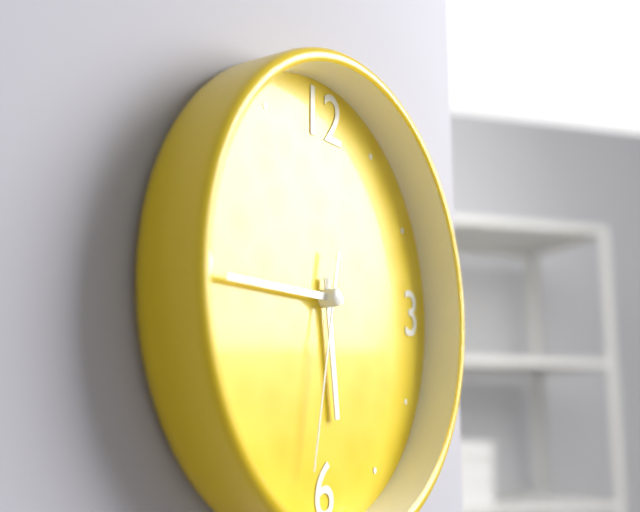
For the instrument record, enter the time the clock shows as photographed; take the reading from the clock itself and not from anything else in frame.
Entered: 5:45:32
